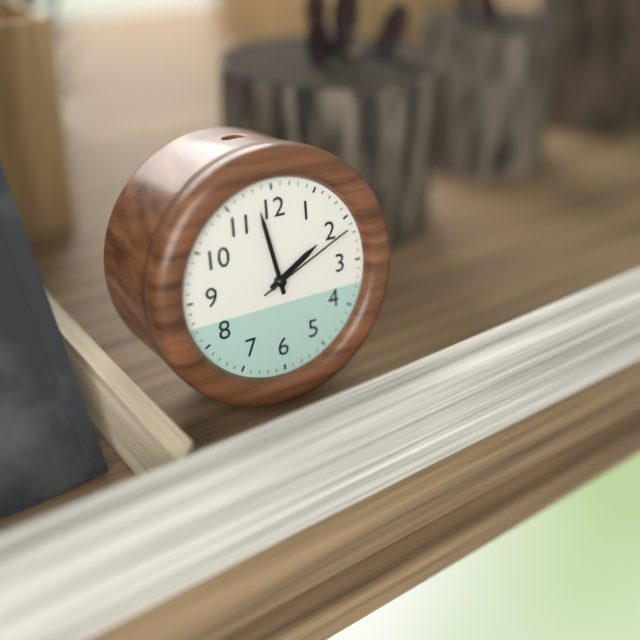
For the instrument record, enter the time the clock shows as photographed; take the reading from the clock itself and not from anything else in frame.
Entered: 1:58:11
